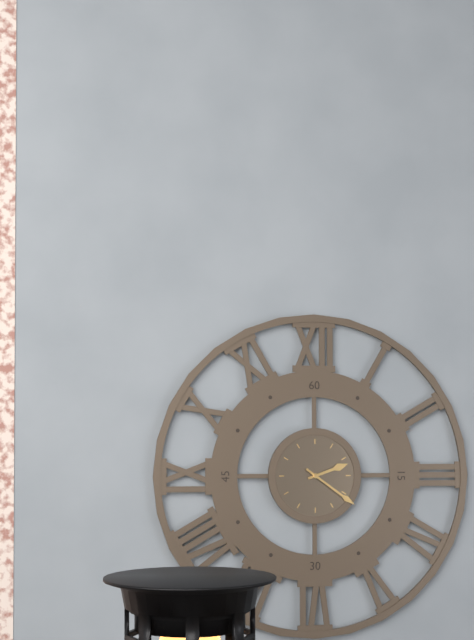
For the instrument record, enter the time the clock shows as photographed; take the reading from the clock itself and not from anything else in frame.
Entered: 2:21
